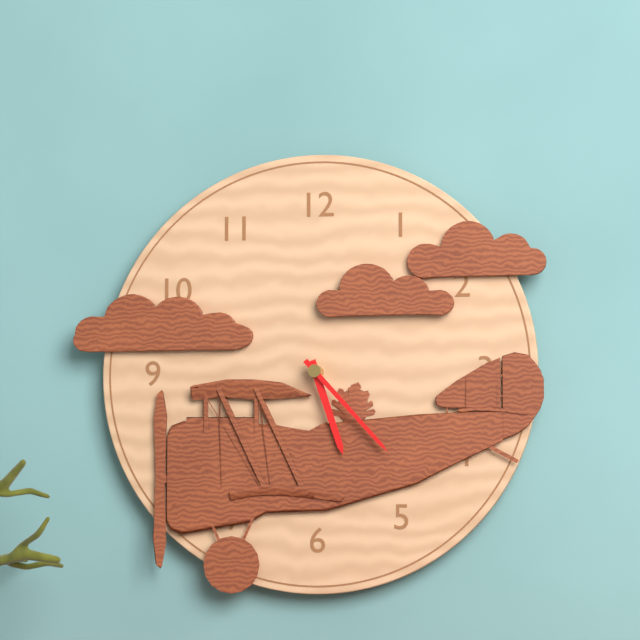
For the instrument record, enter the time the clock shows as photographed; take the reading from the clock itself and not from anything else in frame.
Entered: 5:23
